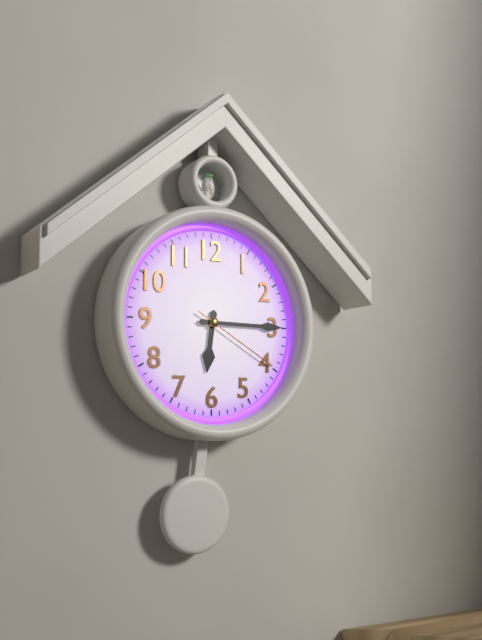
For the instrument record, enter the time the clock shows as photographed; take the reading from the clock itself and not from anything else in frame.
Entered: 6:15:20
